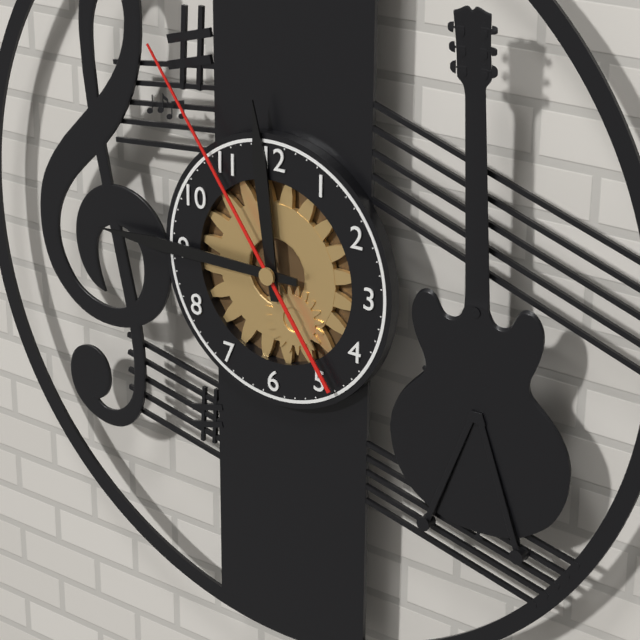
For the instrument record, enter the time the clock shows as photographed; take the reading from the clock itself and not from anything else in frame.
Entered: 11:45:54
